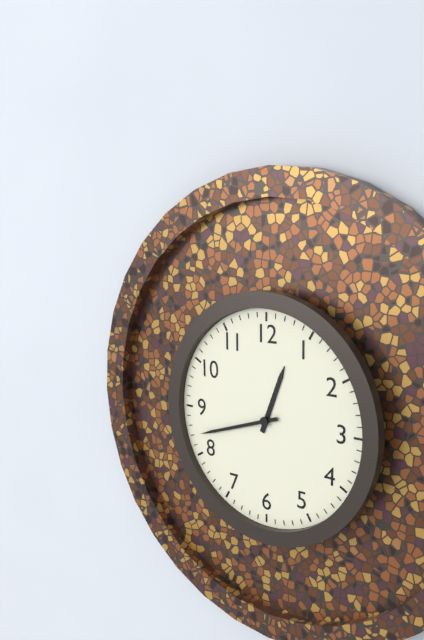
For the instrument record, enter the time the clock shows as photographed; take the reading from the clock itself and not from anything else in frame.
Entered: 12:42
